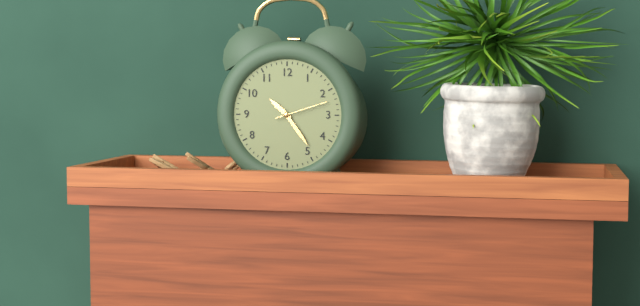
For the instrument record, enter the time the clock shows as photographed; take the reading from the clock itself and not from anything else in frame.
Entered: 10:24:12
